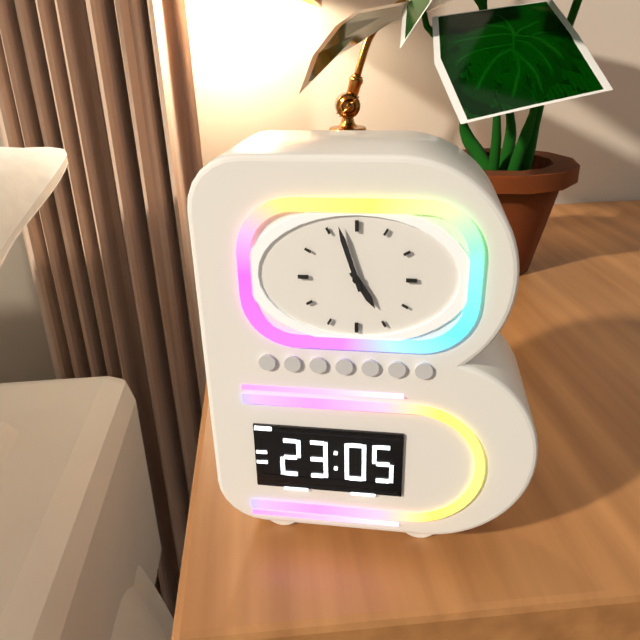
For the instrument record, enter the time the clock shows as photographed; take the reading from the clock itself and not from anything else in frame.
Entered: 4:57
